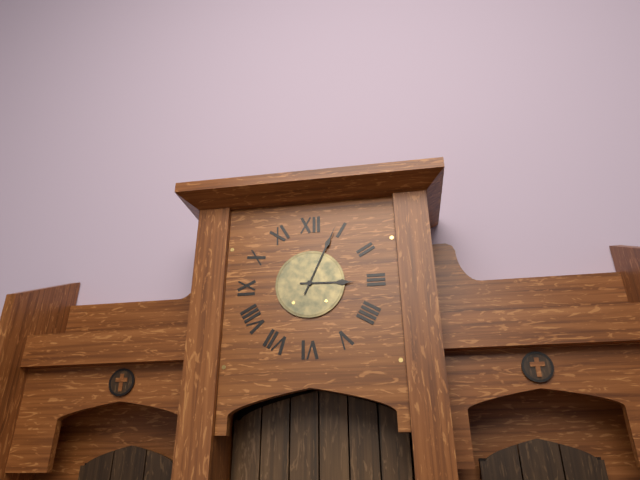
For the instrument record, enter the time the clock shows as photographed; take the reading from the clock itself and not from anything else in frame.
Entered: 3:04
